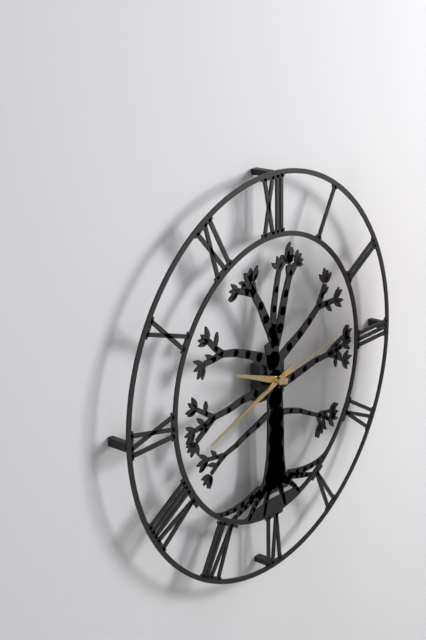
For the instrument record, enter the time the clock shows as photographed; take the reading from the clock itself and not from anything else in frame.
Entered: 9:42:13
